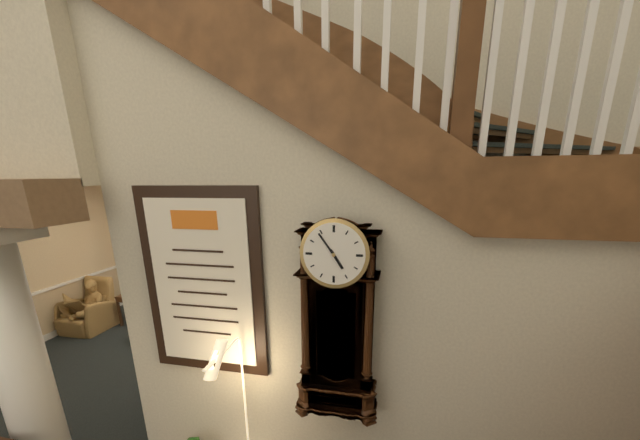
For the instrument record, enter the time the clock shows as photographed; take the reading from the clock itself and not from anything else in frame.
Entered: 4:54
